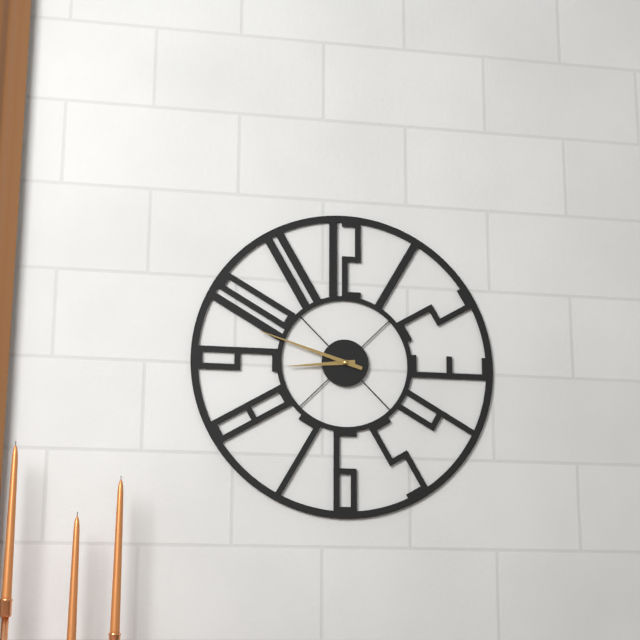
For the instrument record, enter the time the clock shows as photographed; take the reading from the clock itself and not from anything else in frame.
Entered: 8:48
